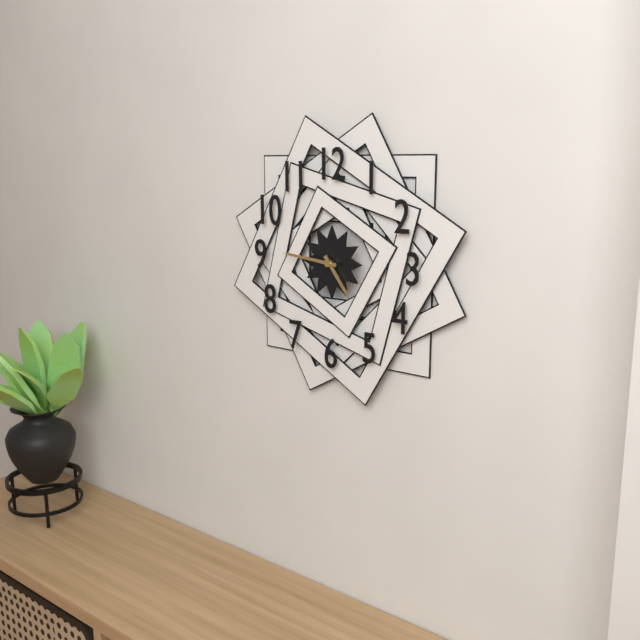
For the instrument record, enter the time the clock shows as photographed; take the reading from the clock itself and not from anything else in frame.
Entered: 4:46
